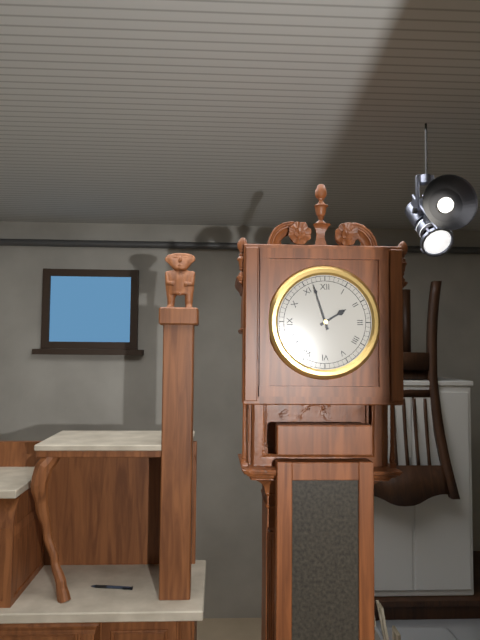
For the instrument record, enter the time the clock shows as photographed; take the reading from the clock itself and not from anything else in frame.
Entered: 1:57
